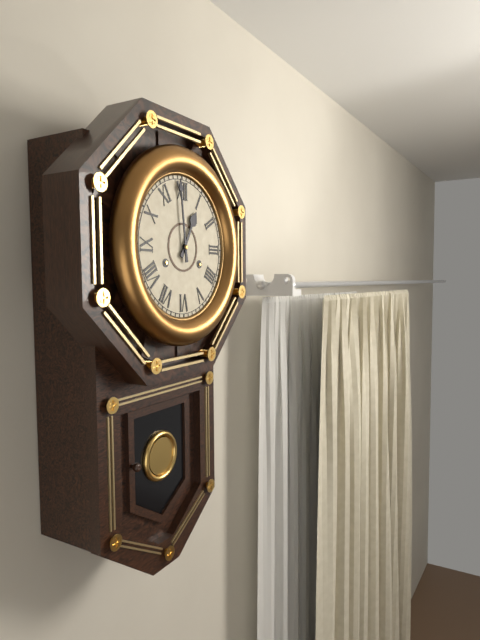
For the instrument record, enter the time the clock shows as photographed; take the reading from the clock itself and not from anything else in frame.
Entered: 12:59
